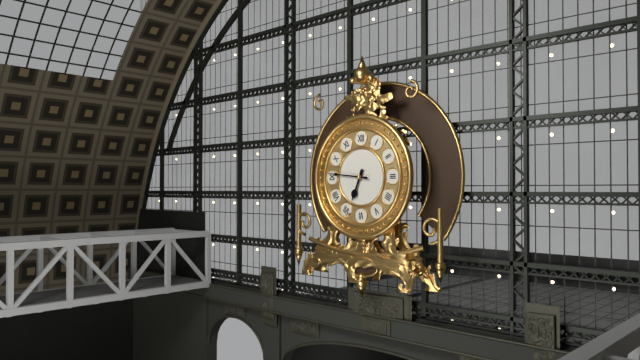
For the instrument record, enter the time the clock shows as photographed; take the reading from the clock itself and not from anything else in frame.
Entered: 6:46
